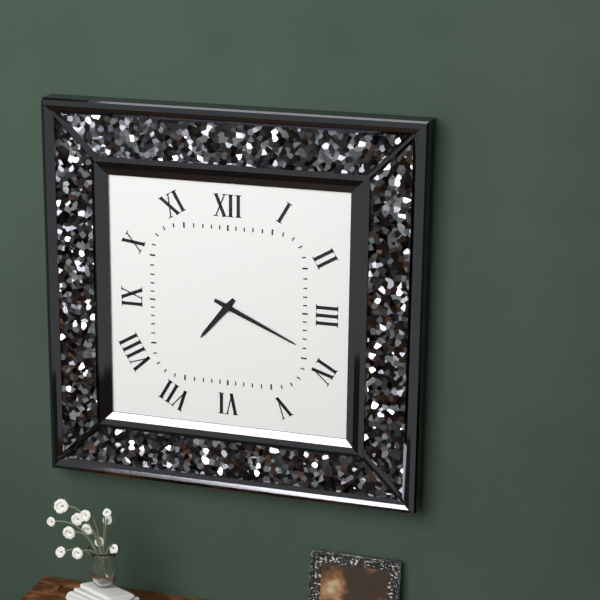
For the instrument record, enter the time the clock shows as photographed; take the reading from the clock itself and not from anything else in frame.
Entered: 7:19
